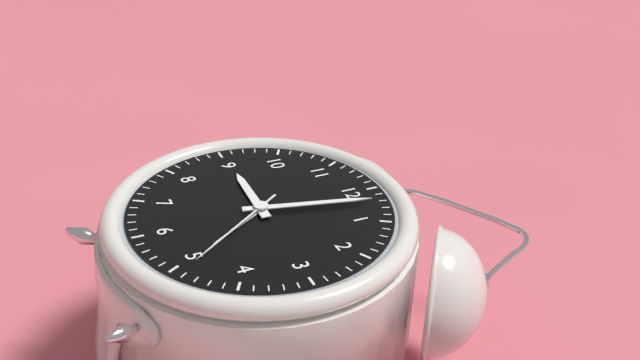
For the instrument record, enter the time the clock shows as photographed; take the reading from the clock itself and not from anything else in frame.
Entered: 9:02:24
